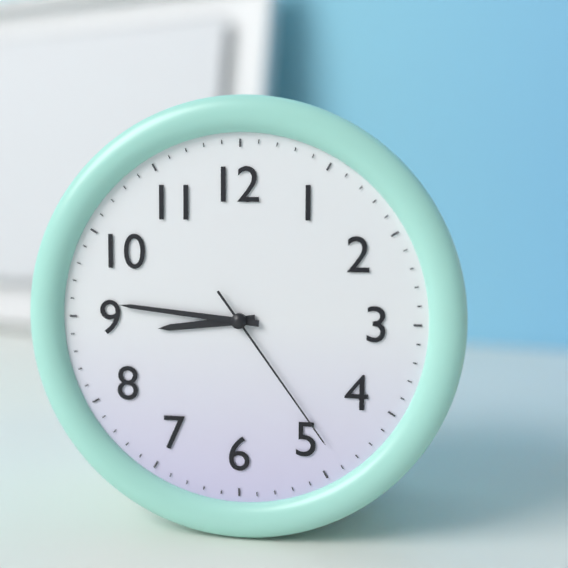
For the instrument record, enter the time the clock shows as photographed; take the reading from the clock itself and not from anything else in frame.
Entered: 8:46:24
